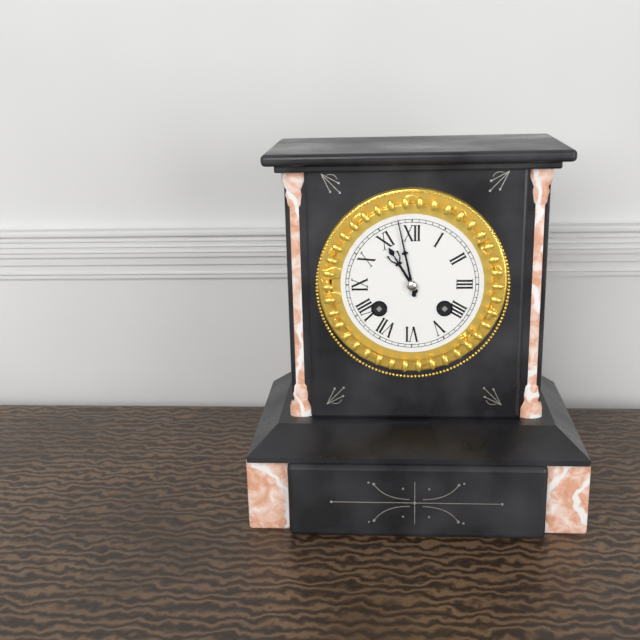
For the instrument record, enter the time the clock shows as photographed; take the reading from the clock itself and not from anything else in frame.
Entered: 10:58
